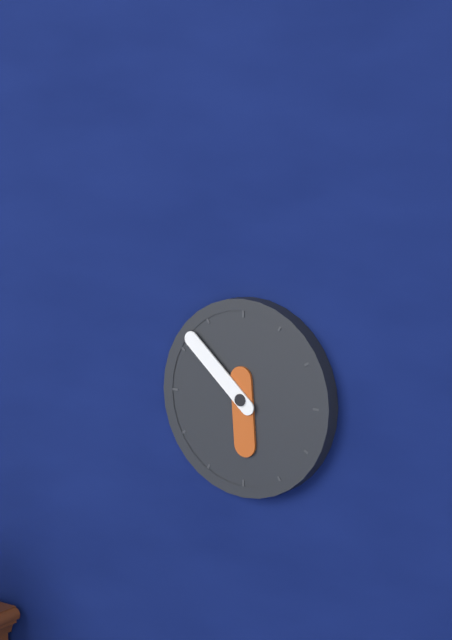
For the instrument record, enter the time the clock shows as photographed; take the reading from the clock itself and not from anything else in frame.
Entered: 5:52
